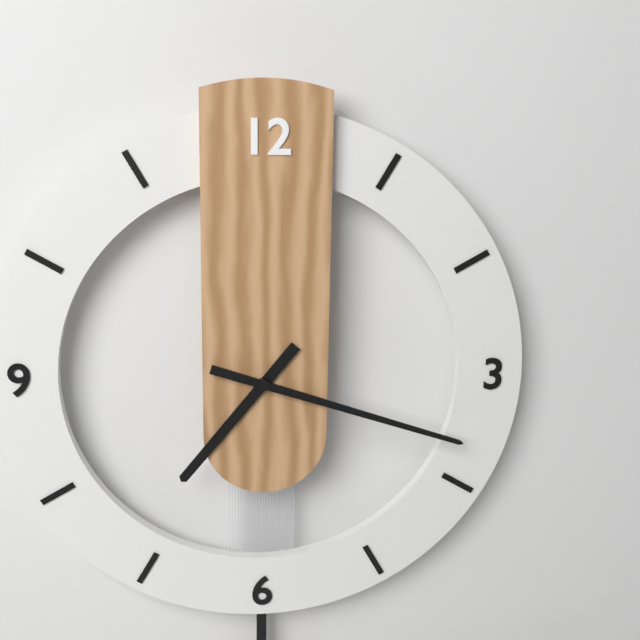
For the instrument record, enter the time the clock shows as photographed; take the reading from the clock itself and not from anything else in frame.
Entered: 7:18
